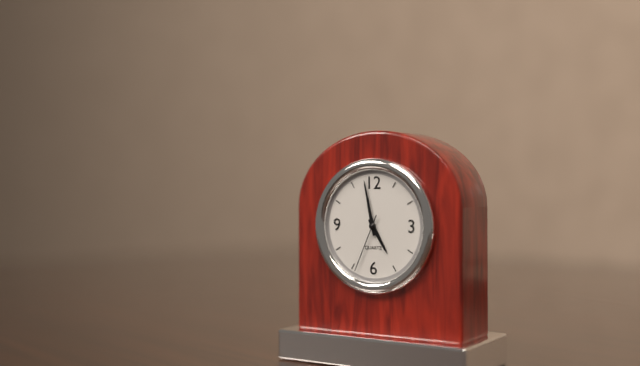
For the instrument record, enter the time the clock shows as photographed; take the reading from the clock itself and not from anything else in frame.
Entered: 4:58:34
